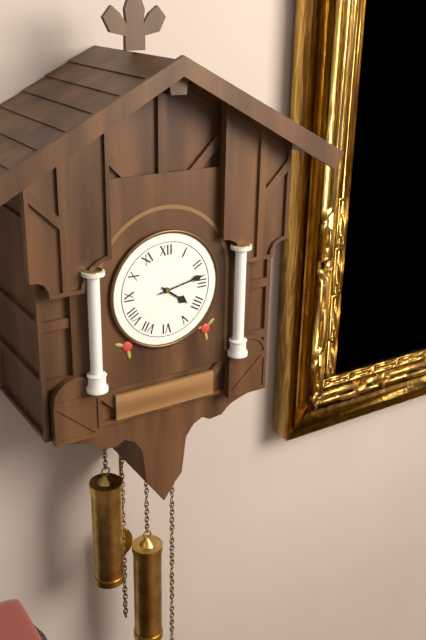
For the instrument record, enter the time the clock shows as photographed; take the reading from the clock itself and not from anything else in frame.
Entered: 4:13
